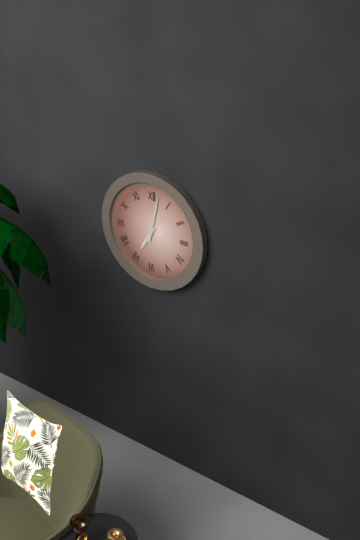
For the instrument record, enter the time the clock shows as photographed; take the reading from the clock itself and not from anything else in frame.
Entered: 7:02
